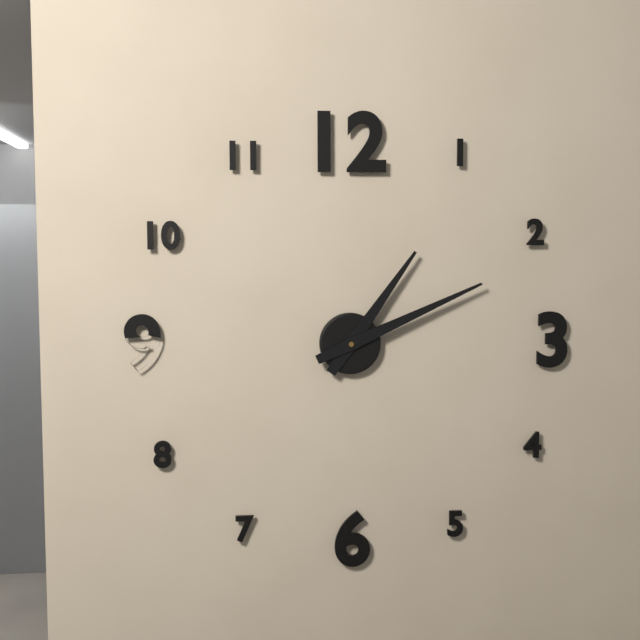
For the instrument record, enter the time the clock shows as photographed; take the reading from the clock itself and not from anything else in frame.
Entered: 1:11
